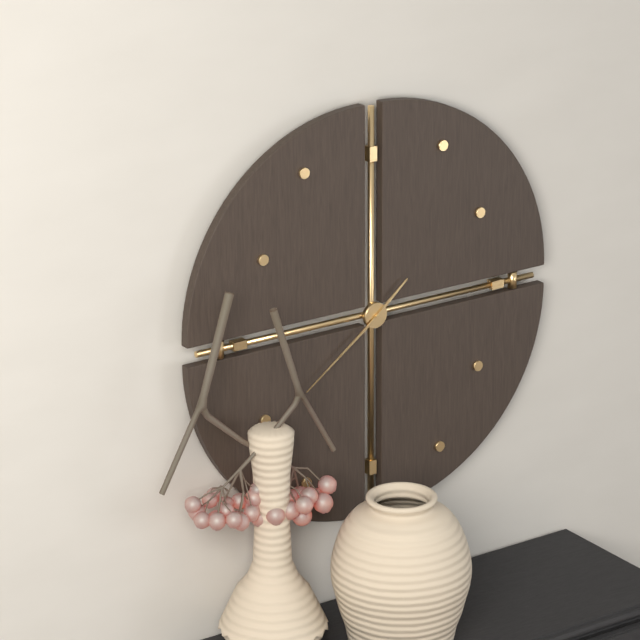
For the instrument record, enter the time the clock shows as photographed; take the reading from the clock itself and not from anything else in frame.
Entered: 1:39
